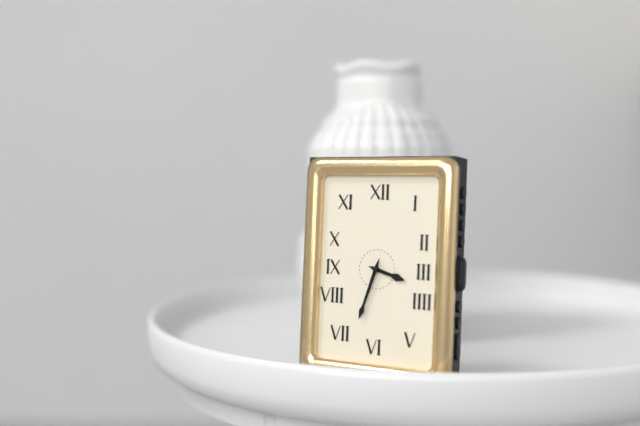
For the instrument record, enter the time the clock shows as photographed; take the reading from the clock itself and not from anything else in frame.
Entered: 3:33
